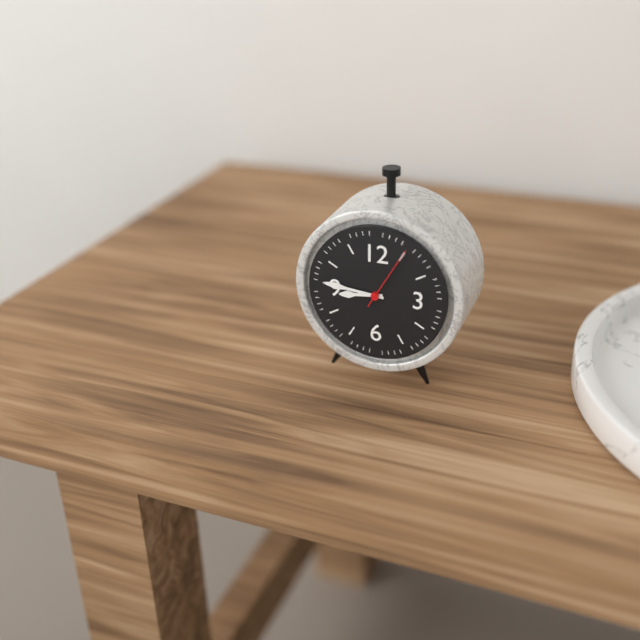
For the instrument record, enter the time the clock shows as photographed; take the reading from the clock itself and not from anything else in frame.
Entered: 8:46:05
